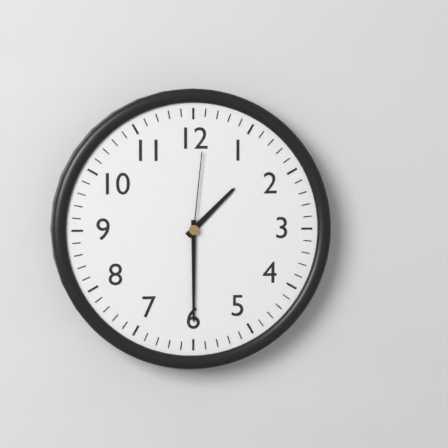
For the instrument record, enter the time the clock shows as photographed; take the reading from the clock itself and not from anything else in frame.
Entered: 1:30:01
